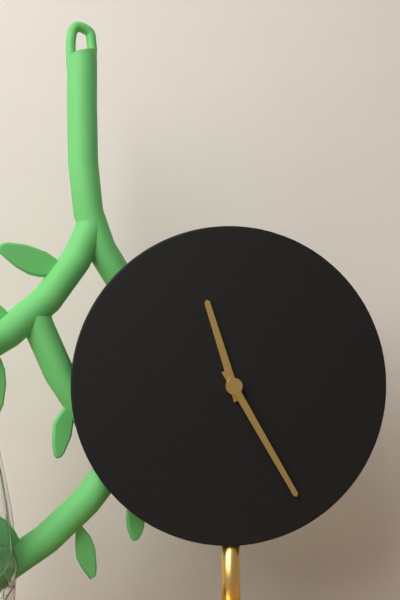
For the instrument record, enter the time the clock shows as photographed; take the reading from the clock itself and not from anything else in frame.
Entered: 11:25
